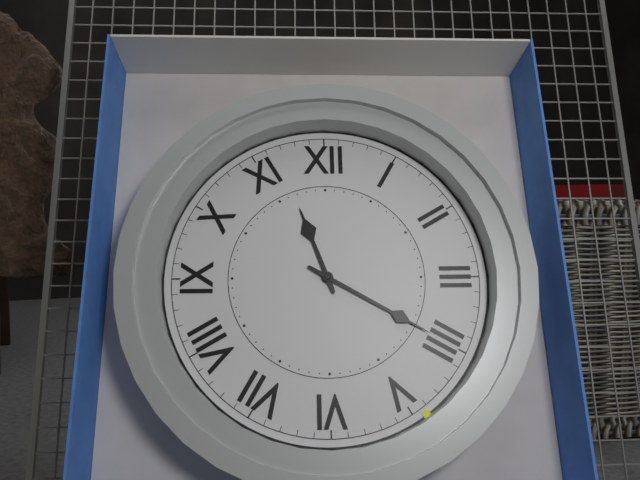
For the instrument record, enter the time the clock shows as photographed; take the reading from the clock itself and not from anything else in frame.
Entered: 11:20
